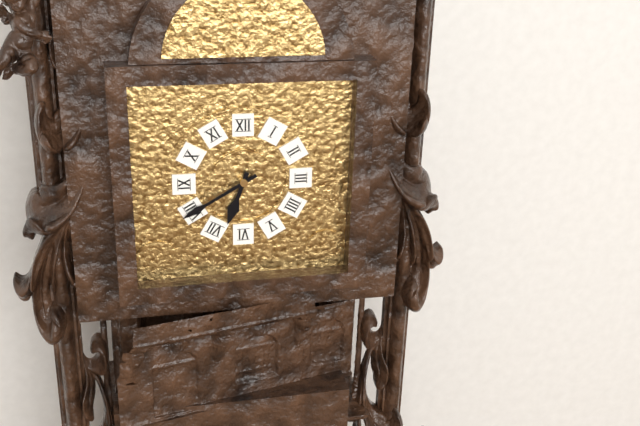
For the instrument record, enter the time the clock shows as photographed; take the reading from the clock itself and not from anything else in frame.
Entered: 6:40
